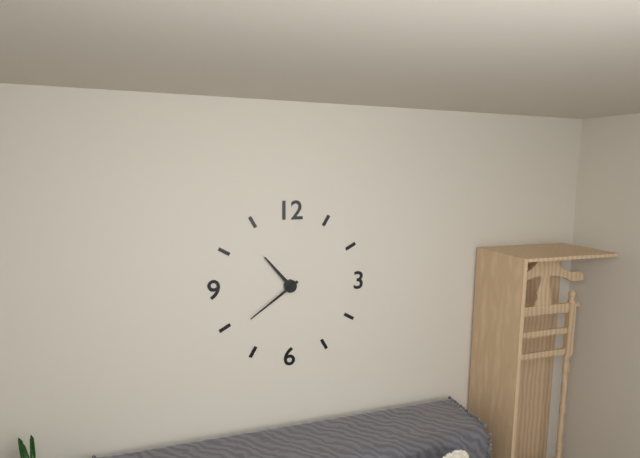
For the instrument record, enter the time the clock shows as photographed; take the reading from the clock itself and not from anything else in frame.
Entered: 10:39
